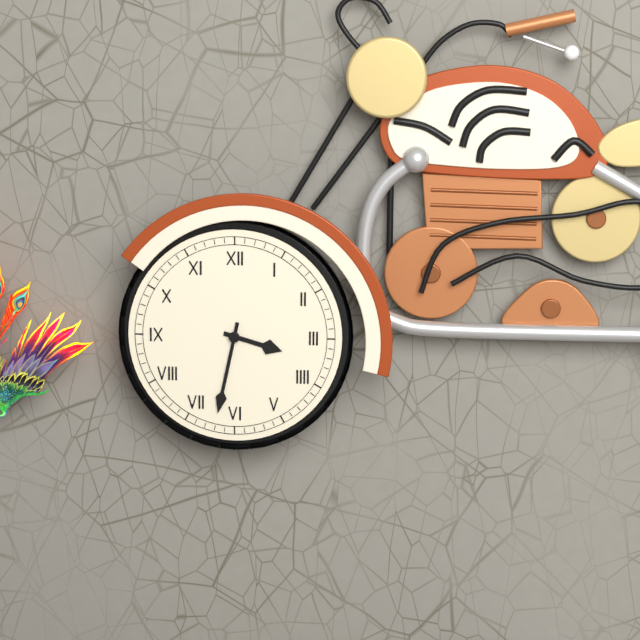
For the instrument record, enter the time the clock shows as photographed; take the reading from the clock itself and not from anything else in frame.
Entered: 3:32
